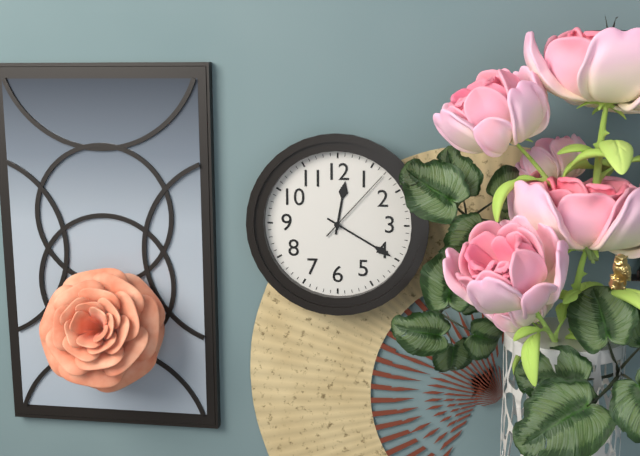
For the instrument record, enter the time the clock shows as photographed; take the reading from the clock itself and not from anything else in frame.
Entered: 12:20:07
